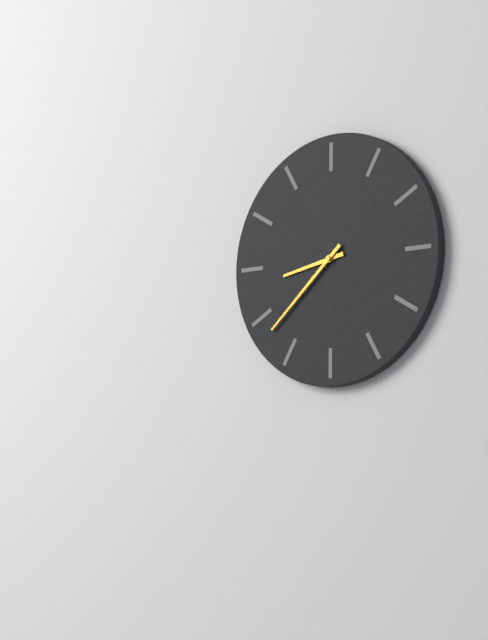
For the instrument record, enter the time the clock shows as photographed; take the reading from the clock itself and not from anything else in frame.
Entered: 8:38
